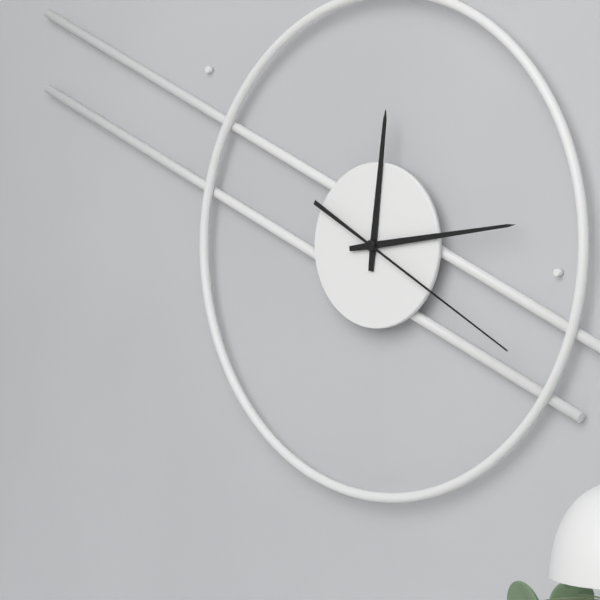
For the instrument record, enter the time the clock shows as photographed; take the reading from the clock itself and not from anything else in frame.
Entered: 12:14:20
